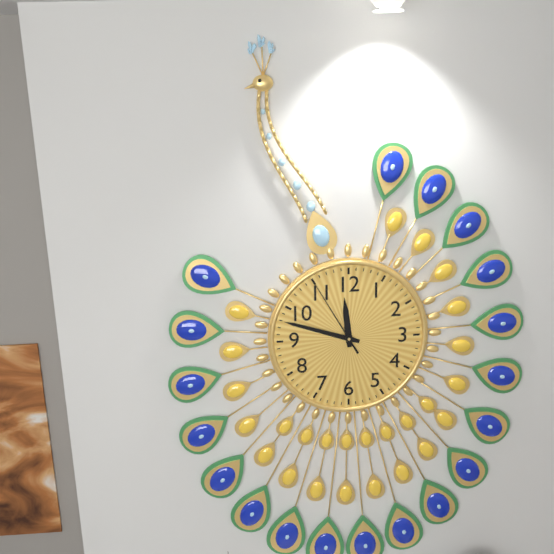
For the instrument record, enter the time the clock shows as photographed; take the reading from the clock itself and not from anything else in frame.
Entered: 11:48:55
